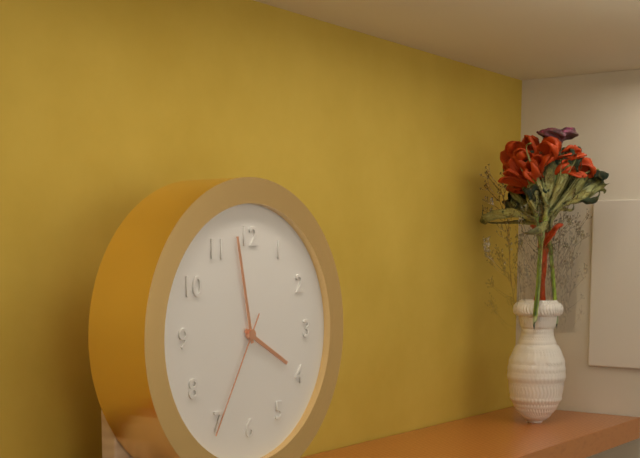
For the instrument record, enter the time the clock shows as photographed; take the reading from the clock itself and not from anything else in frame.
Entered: 3:58:35
